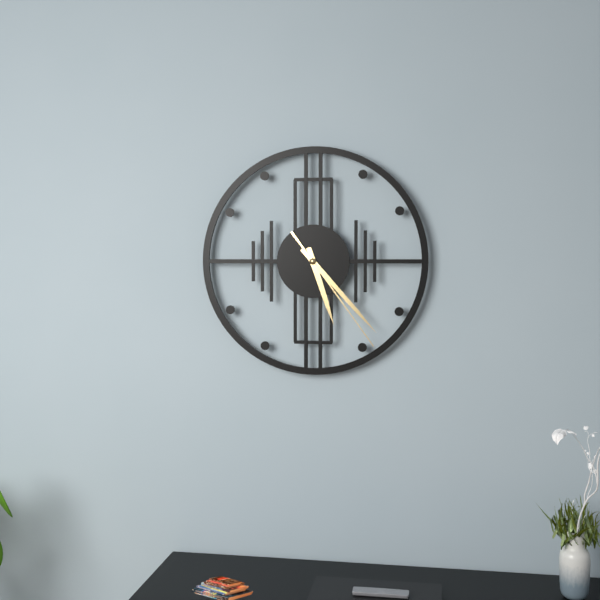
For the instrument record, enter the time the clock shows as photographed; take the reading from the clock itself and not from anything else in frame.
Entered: 5:23:24
